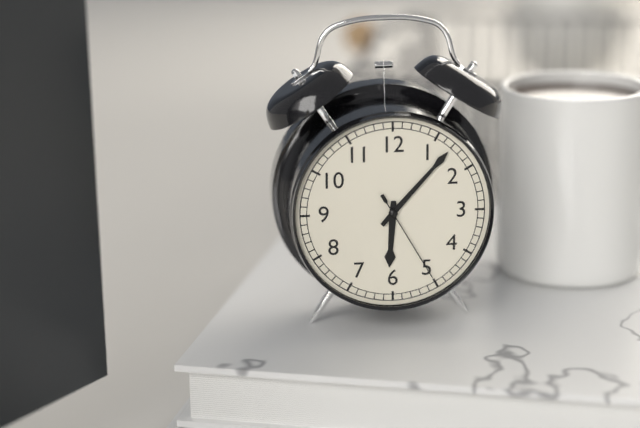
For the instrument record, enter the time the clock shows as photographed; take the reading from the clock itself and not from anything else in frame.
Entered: 6:07:25
